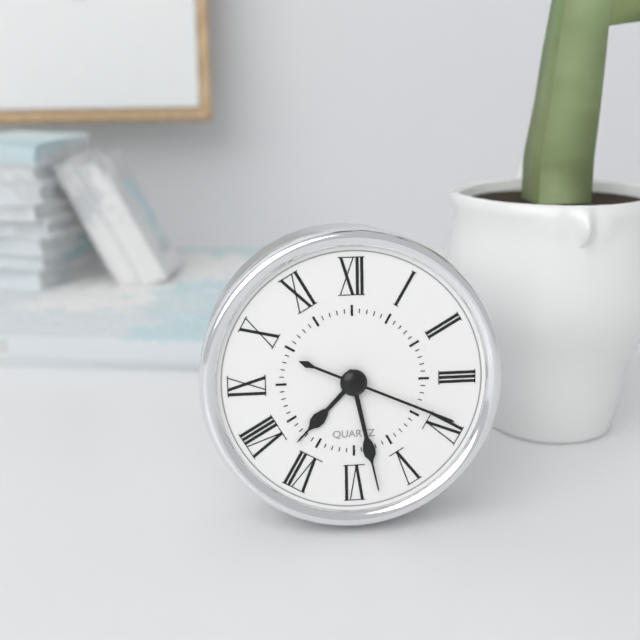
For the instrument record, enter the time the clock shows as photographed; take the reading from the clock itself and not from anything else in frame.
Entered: 7:28:19
